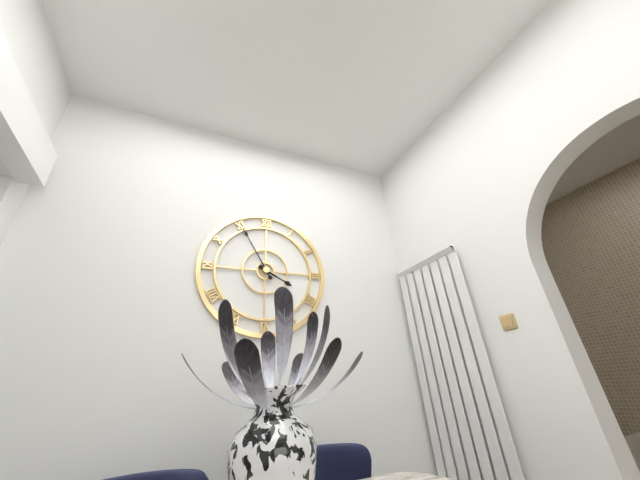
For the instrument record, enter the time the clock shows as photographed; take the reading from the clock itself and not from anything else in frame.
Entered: 3:55
